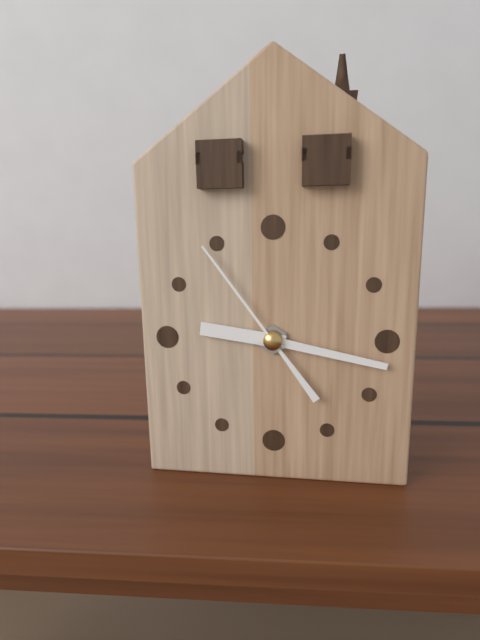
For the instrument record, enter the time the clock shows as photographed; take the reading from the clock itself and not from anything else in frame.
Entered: 9:17:54
